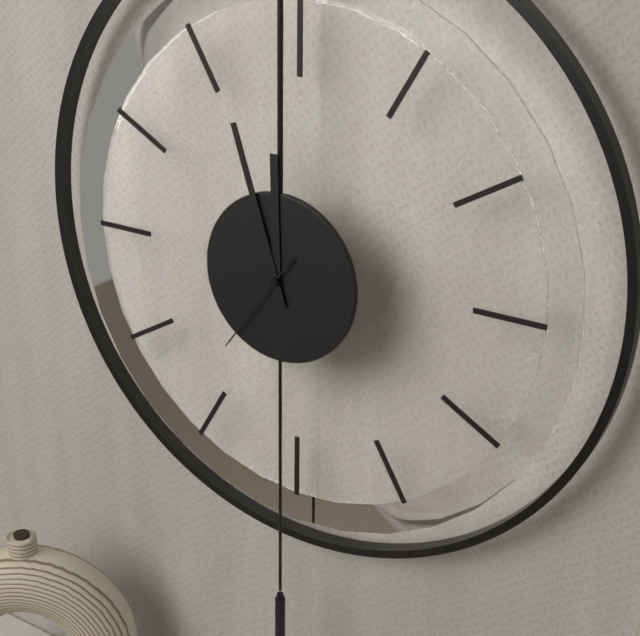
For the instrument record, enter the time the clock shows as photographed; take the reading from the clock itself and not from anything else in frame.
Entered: 11:57:36
